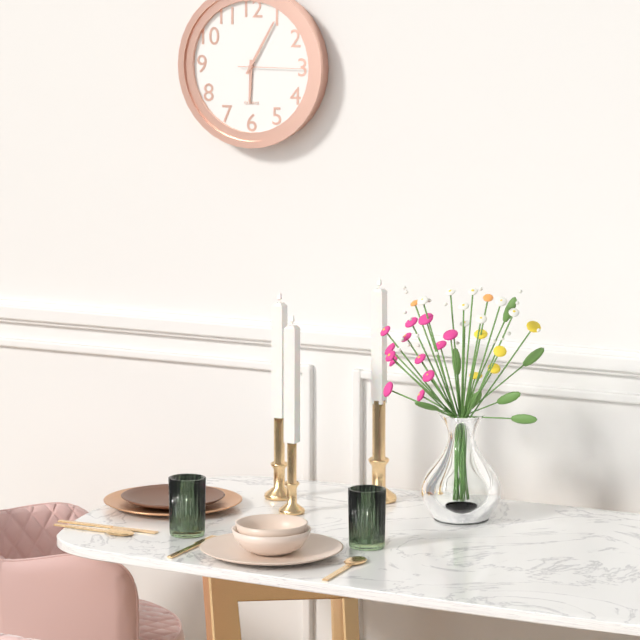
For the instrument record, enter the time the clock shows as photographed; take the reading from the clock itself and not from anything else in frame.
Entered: 6:05:15
